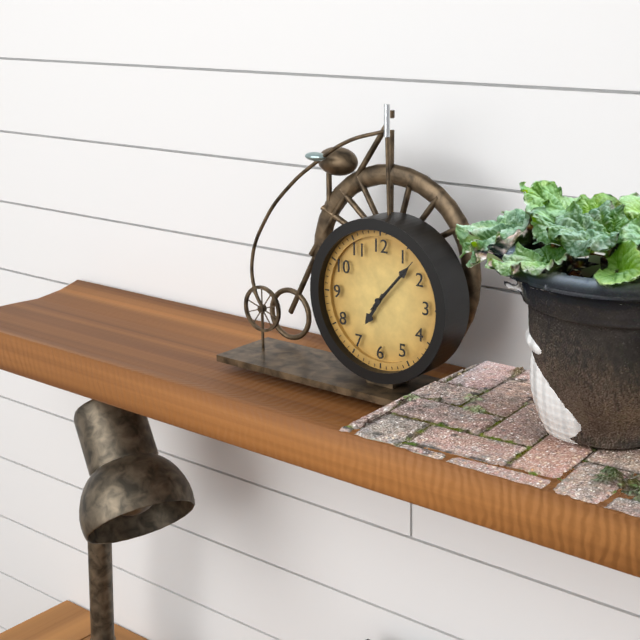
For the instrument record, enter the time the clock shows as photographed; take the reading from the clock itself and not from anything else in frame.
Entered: 7:07:07
